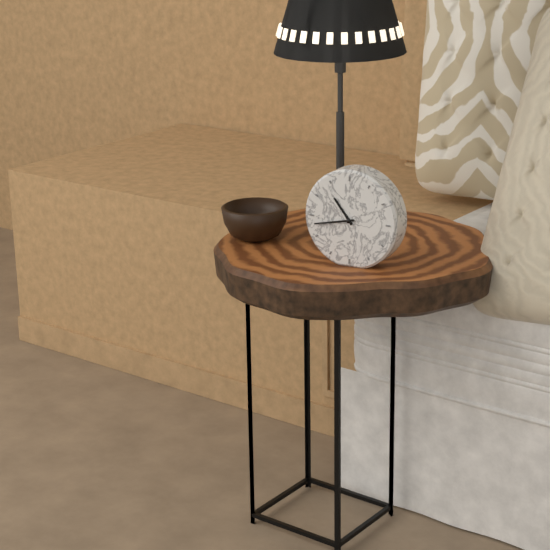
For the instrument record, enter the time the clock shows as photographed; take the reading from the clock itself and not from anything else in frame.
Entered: 10:43
